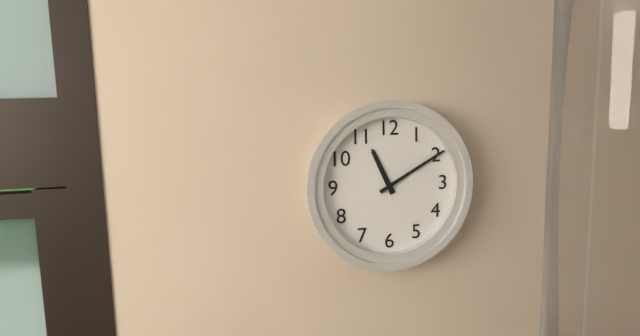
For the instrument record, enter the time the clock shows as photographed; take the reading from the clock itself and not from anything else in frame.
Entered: 11:10
